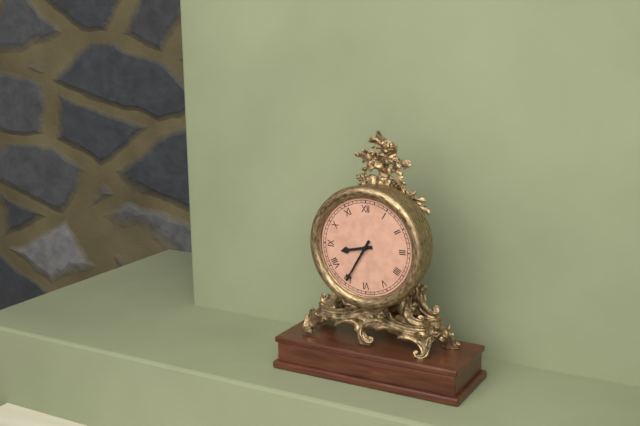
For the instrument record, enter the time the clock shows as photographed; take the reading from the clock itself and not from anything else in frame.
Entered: 8:35
